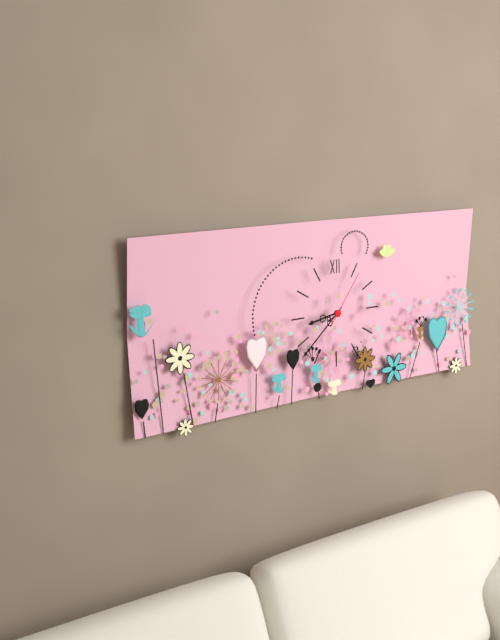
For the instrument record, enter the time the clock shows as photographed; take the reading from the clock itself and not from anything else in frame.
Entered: 8:38:06
